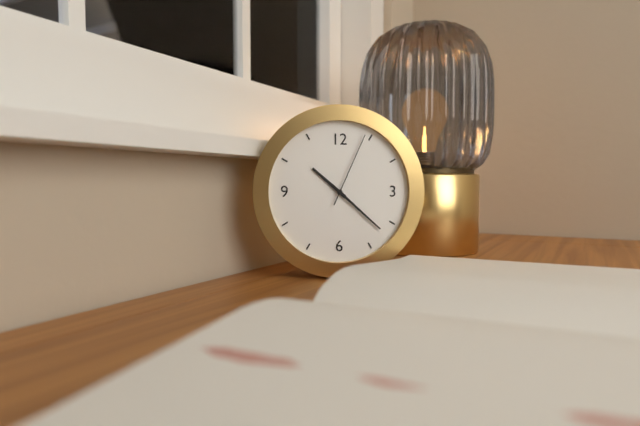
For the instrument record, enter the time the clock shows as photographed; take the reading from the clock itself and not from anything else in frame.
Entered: 10:22:04
